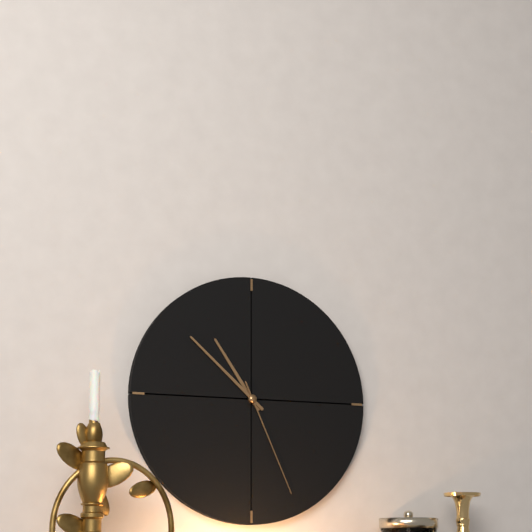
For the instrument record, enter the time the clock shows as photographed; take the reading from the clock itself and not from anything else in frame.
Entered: 10:52:26
